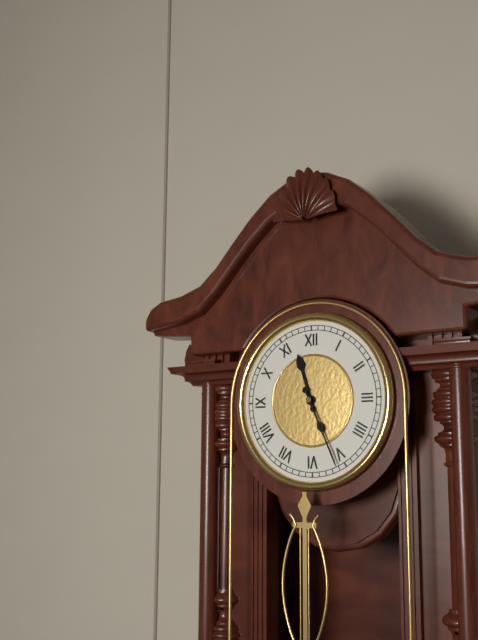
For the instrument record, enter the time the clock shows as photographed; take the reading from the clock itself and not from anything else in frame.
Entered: 11:26
